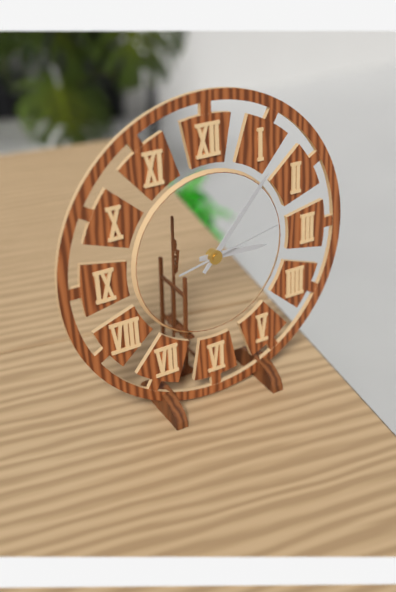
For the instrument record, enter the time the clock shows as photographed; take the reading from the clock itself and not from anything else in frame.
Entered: 3:07:13
